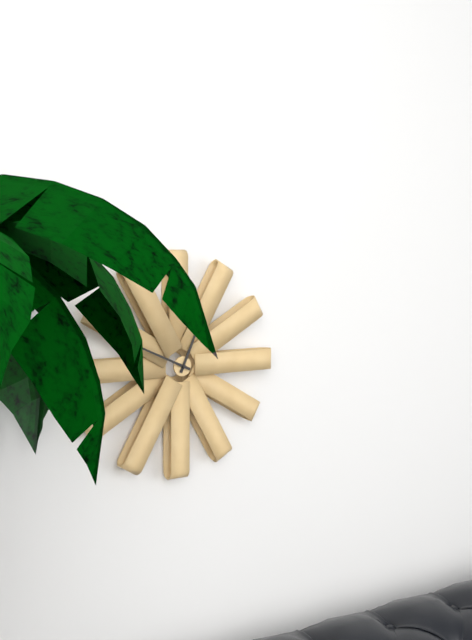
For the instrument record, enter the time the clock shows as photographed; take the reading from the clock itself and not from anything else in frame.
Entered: 12:49
